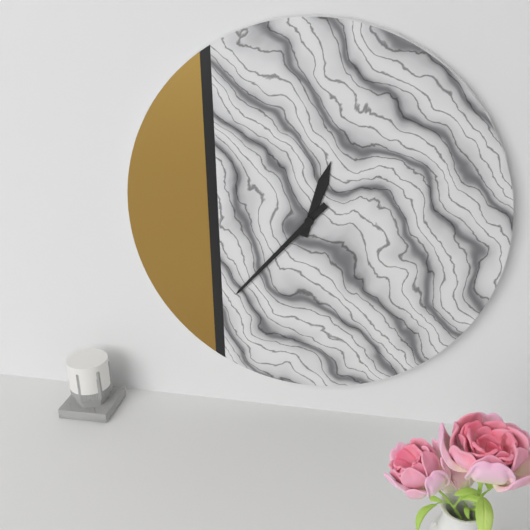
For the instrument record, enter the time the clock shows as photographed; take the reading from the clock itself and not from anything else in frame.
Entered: 12:37
